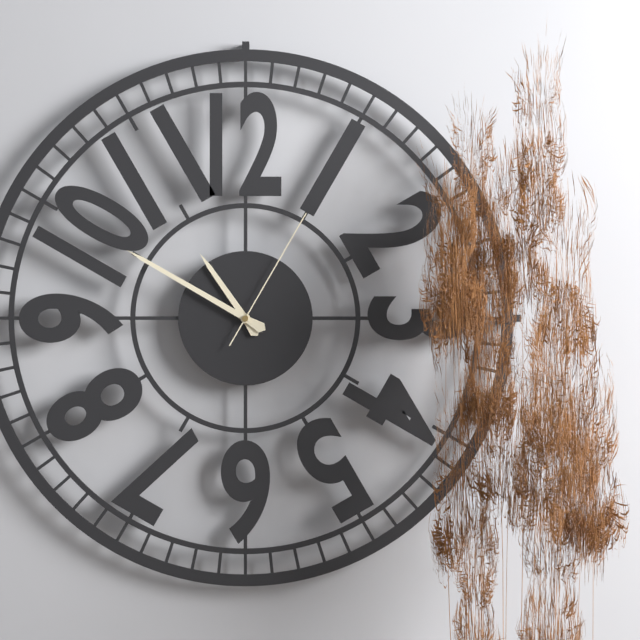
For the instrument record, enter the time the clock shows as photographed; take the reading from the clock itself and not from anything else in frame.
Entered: 10:50:05
